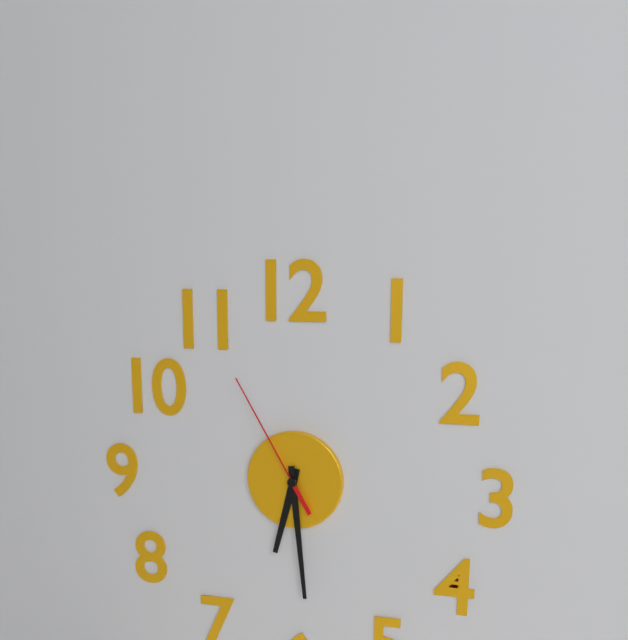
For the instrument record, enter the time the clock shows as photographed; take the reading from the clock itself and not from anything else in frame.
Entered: 6:29:55
